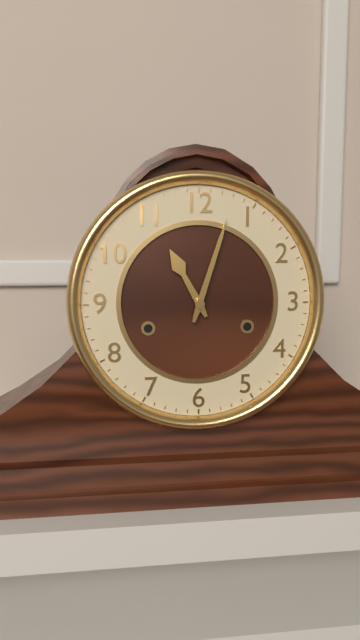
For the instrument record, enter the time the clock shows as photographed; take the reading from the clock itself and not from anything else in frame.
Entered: 11:03
